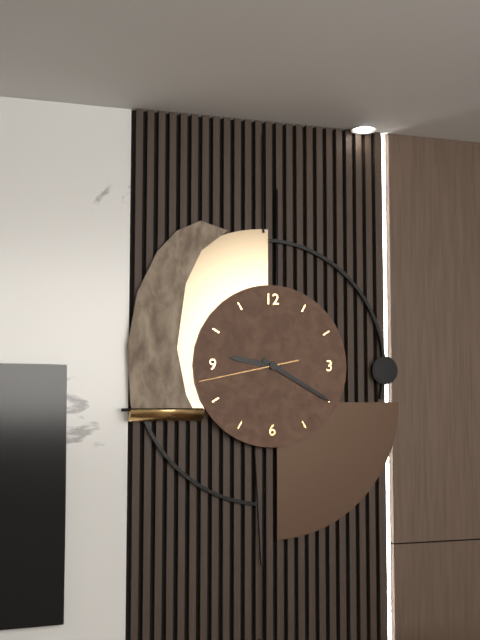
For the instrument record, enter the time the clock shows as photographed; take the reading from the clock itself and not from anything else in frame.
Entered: 9:20:43
